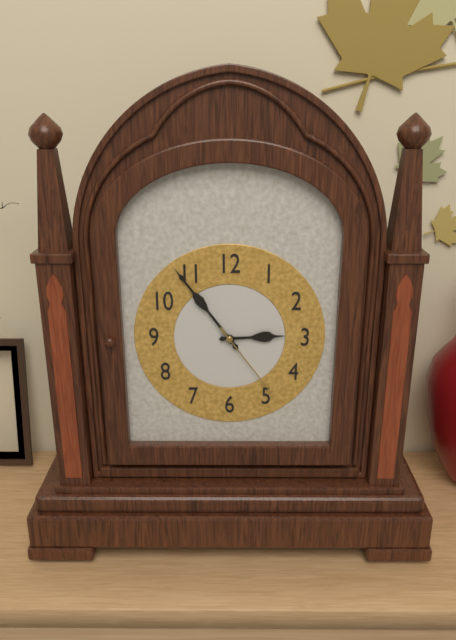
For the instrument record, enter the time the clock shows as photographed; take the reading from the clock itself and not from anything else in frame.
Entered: 2:54:24
